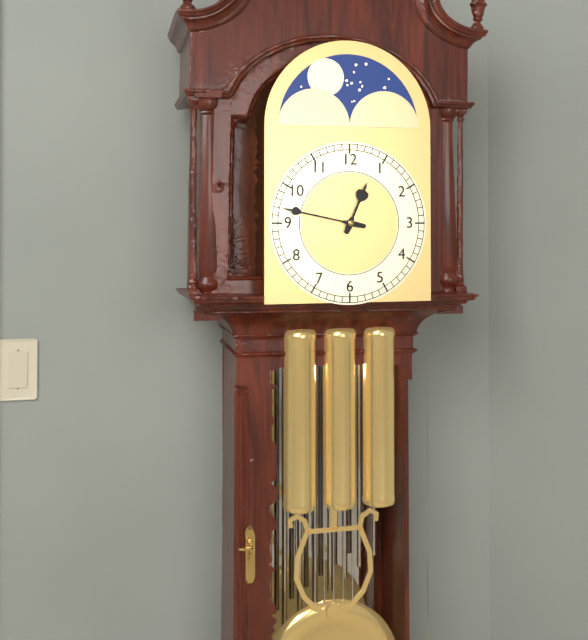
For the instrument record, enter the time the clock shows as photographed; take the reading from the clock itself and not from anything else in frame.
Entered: 12:47
